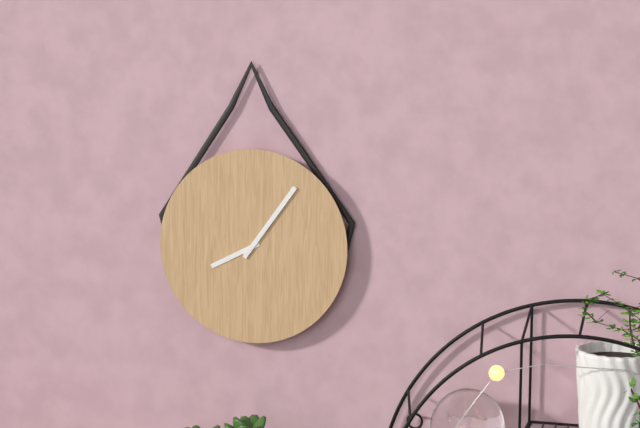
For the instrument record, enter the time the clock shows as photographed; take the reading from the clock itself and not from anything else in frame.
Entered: 8:06
